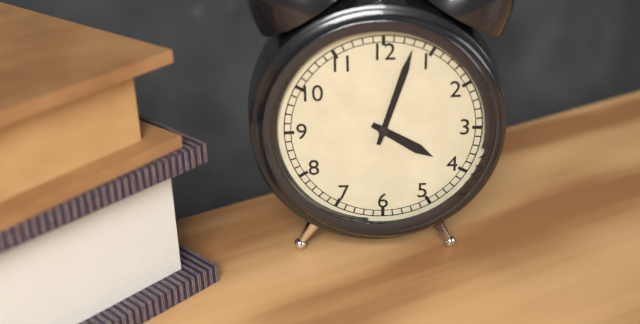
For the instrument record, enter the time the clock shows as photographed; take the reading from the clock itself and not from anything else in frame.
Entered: 4:03
